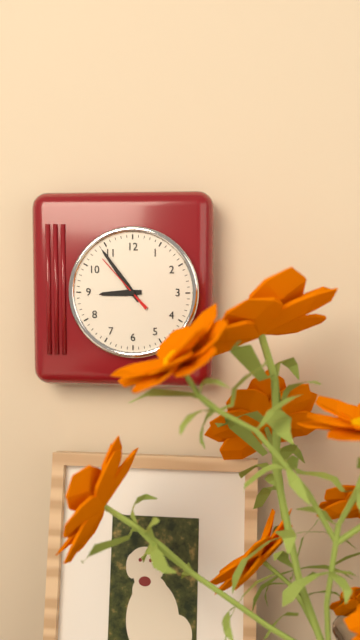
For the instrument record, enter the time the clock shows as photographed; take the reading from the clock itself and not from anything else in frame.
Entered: 8:54:53
